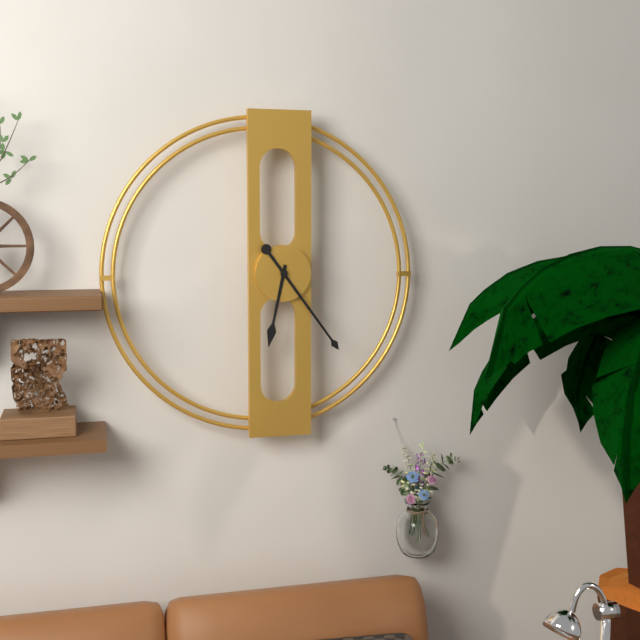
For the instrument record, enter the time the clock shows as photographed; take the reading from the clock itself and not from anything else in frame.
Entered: 6:24
